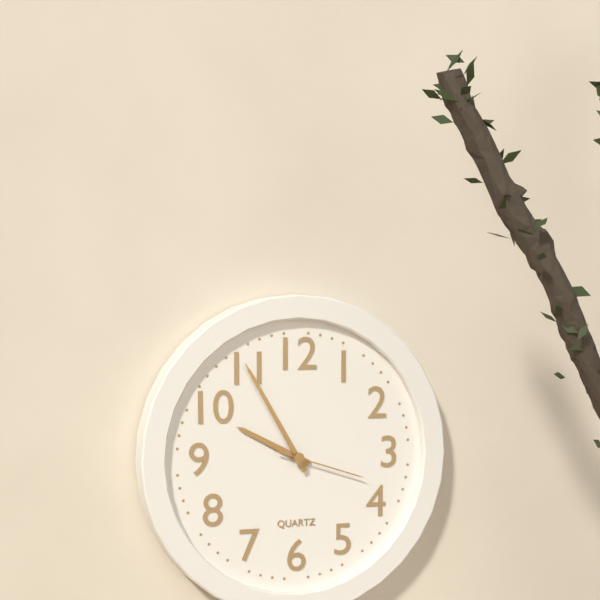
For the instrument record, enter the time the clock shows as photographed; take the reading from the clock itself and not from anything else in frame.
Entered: 9:55:18
